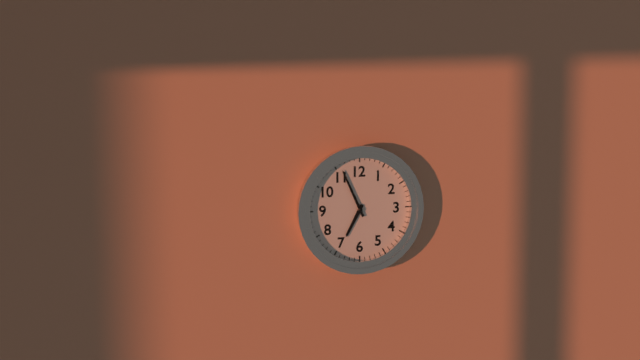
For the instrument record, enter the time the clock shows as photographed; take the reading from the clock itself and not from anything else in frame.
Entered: 6:56
